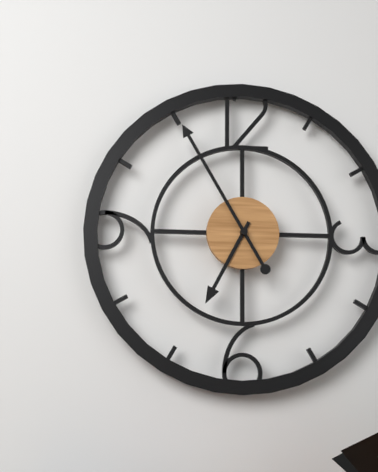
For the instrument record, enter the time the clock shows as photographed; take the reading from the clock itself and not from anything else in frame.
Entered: 6:55
